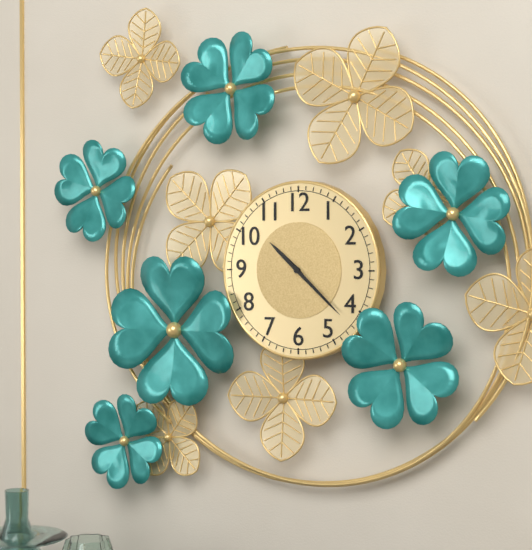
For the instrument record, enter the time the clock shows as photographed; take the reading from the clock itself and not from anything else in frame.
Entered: 10:22
